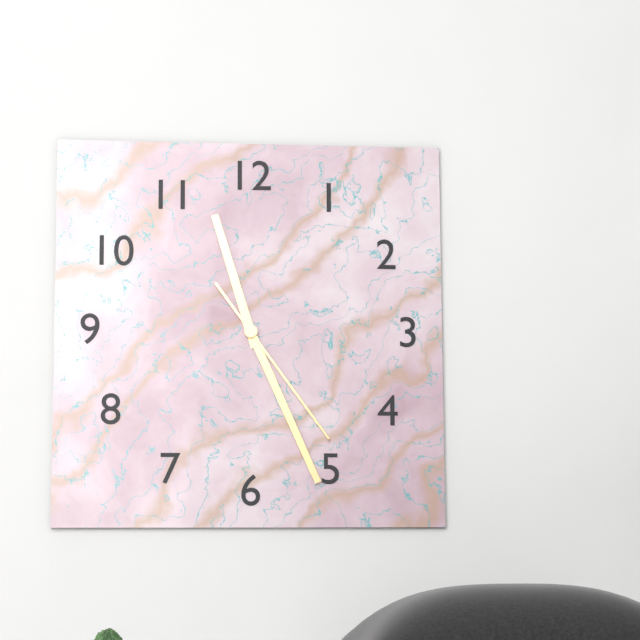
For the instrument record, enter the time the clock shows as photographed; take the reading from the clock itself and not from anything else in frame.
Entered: 11:26:24
